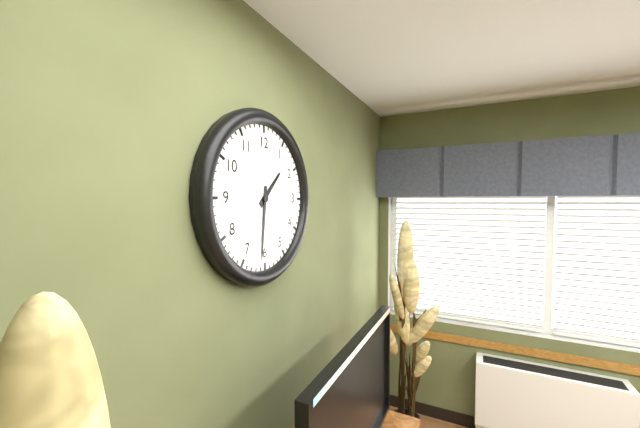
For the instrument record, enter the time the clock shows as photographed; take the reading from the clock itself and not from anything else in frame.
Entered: 1:31
